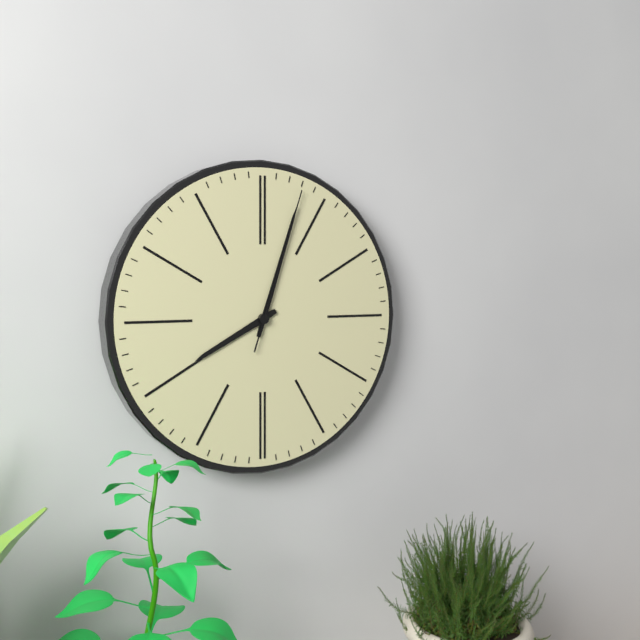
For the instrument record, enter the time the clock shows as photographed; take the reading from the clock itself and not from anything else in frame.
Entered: 8:03:03
